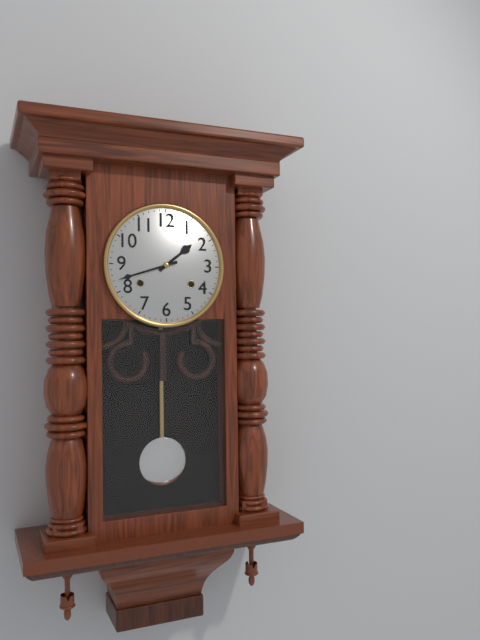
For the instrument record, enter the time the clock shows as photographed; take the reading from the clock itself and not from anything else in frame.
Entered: 1:42
